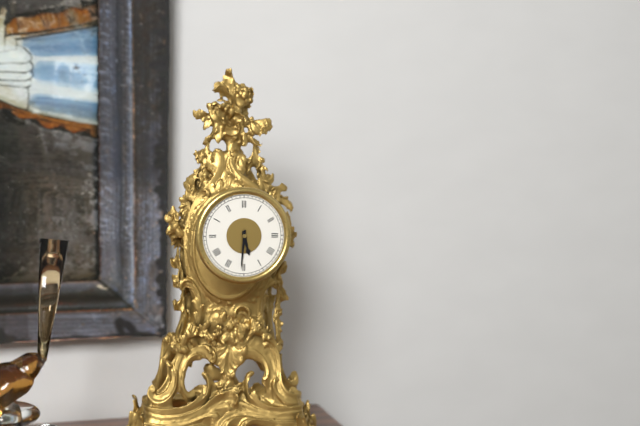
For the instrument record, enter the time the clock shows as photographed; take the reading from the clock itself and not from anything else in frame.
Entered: 5:31
